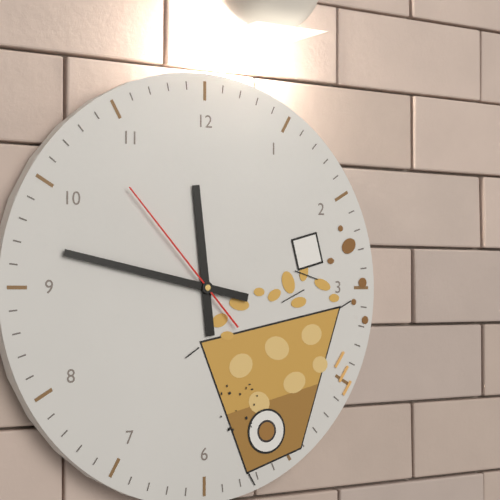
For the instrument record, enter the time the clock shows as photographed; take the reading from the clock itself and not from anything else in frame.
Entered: 11:47:53
